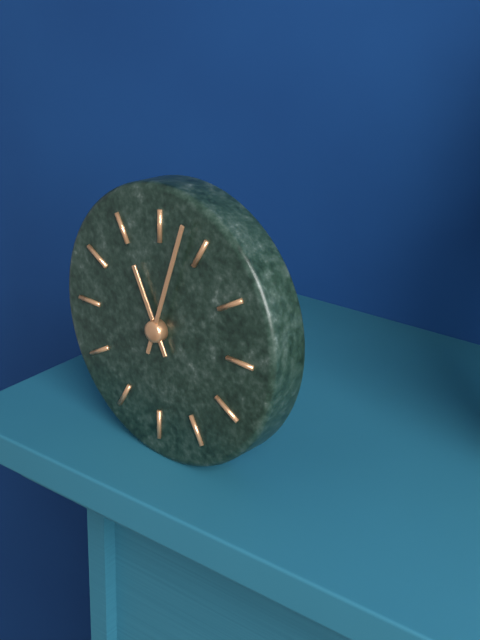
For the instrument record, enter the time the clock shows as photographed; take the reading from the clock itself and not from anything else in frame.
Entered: 11:03
